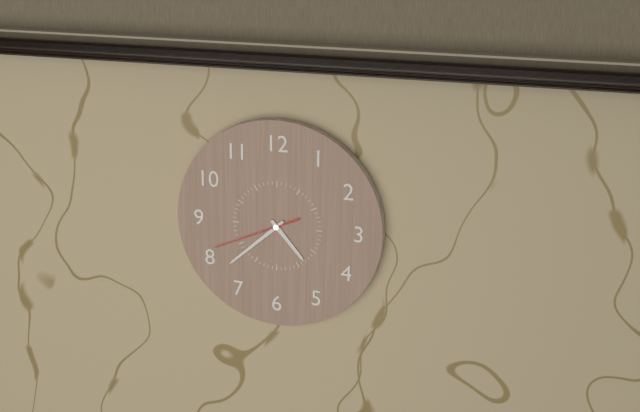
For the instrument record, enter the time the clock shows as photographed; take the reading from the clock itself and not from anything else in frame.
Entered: 4:38:41
